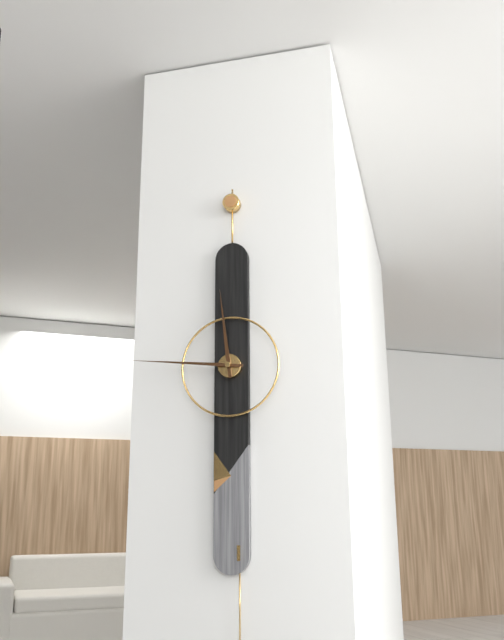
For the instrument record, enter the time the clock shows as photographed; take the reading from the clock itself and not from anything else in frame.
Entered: 11:46
